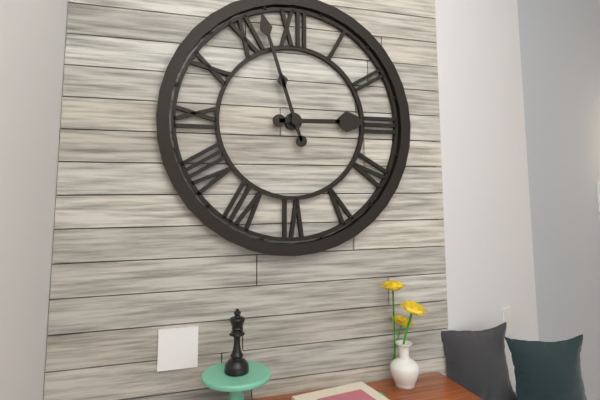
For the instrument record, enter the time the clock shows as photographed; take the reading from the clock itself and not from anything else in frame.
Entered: 2:57
